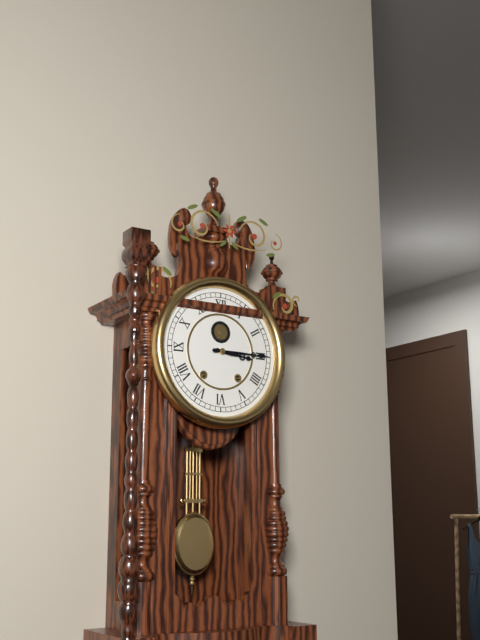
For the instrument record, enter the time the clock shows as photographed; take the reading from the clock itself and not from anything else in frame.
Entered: 3:15
